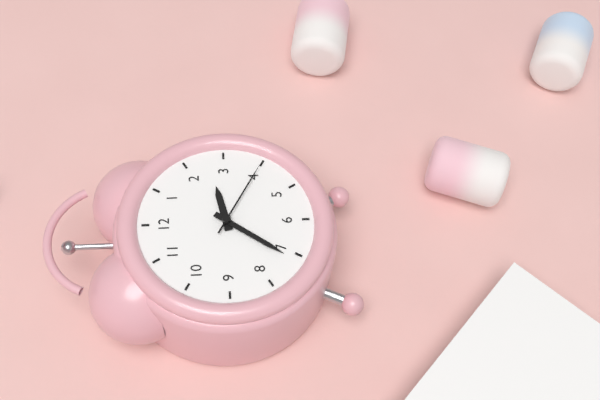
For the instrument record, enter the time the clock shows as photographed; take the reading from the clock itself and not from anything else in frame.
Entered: 2:36:20
